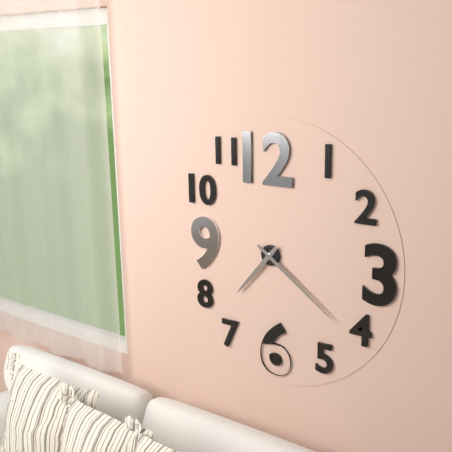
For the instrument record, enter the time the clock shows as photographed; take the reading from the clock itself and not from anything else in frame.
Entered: 7:21
